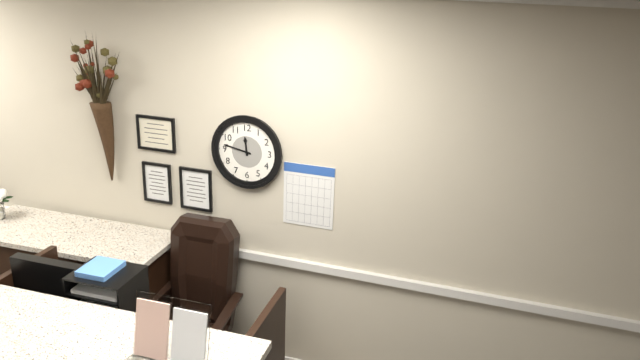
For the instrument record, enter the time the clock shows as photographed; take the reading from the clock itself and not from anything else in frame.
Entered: 11:47
